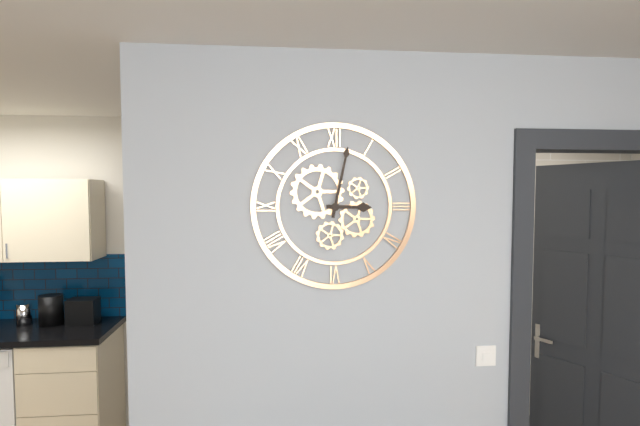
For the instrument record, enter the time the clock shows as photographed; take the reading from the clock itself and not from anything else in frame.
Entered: 3:02
